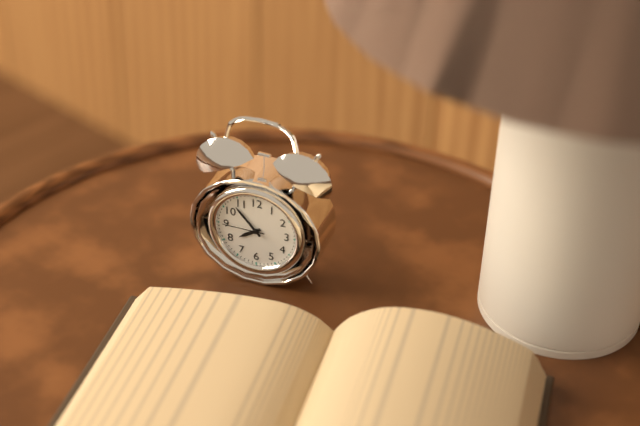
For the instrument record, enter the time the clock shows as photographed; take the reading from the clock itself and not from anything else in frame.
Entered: 7:53
